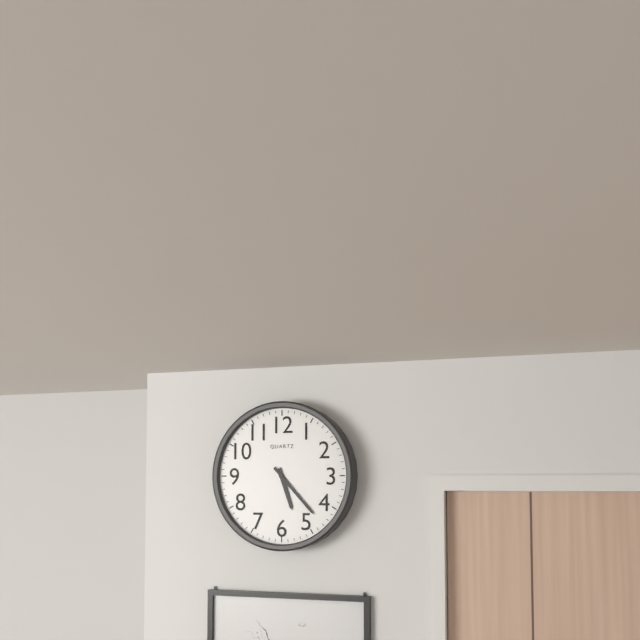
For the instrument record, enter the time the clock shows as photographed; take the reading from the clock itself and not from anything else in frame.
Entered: 5:23
